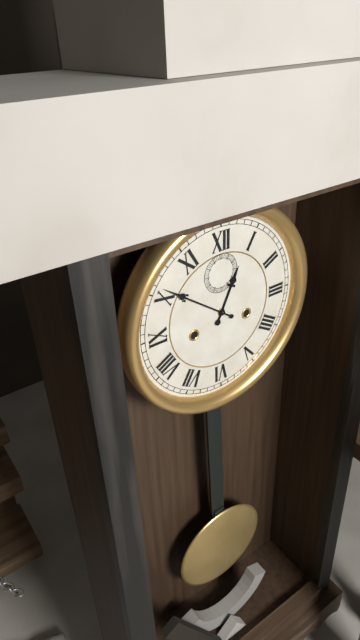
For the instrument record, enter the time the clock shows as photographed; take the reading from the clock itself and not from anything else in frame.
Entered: 12:51
